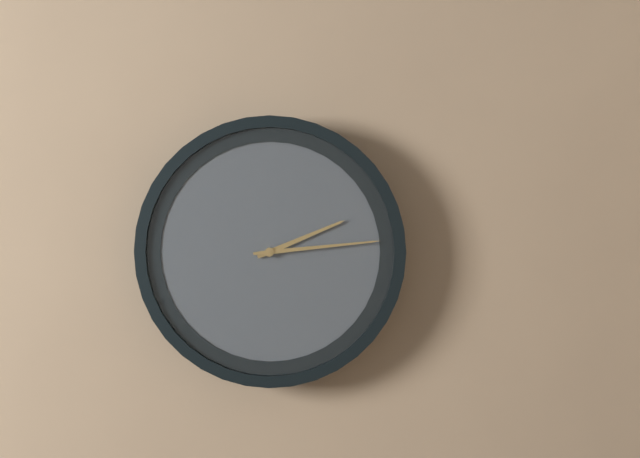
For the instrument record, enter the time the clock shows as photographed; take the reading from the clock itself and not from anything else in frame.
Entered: 2:14
